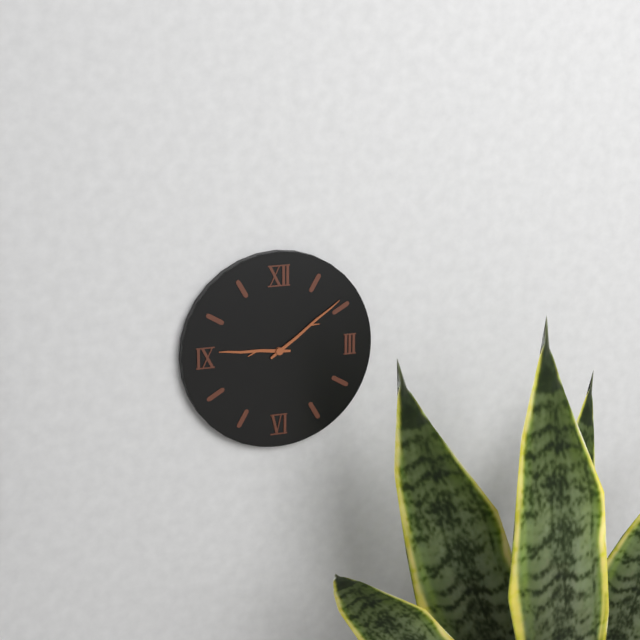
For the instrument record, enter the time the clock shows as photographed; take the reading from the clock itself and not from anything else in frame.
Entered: 9:09
